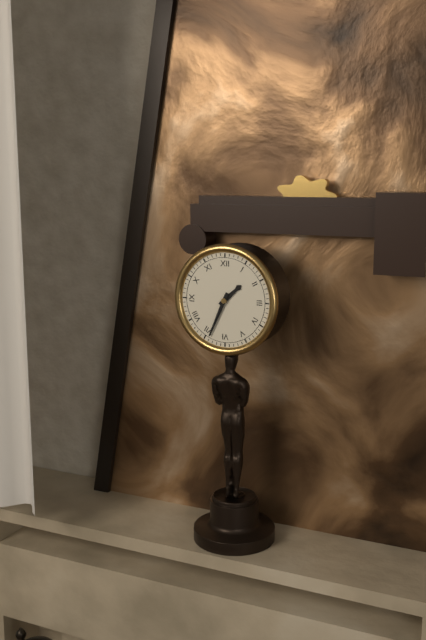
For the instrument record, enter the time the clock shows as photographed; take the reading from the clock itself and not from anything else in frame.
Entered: 1:34
